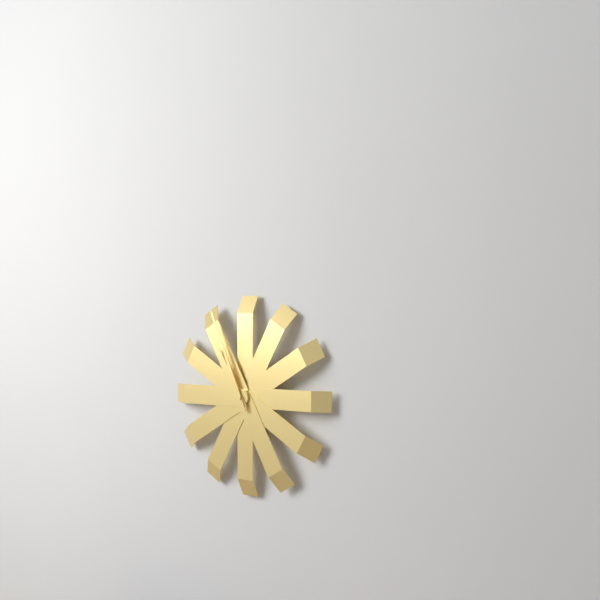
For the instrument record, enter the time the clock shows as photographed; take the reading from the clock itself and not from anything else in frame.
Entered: 10:56
